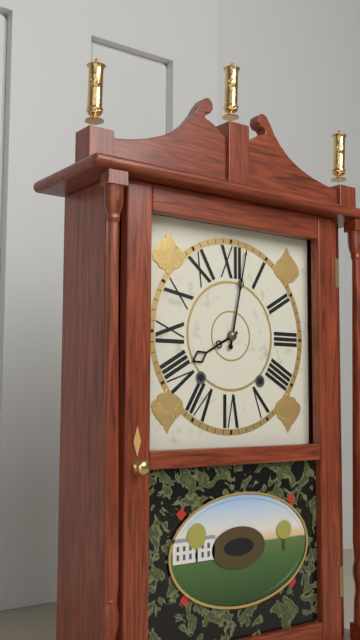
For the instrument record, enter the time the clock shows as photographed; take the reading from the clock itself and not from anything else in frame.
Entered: 8:02
